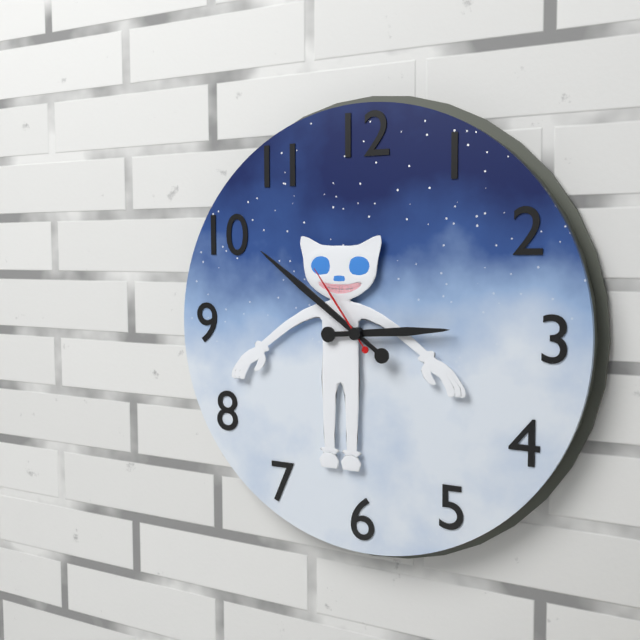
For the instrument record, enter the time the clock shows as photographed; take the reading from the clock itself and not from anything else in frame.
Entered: 2:51:54
